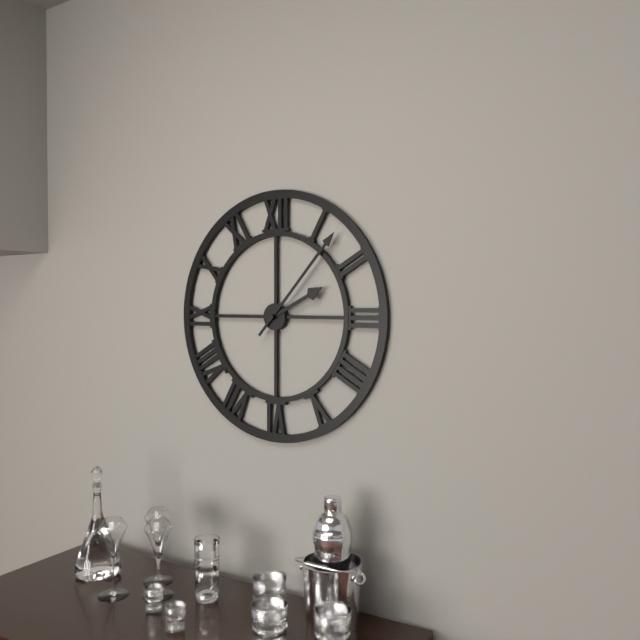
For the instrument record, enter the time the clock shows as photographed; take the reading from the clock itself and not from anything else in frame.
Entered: 2:07
